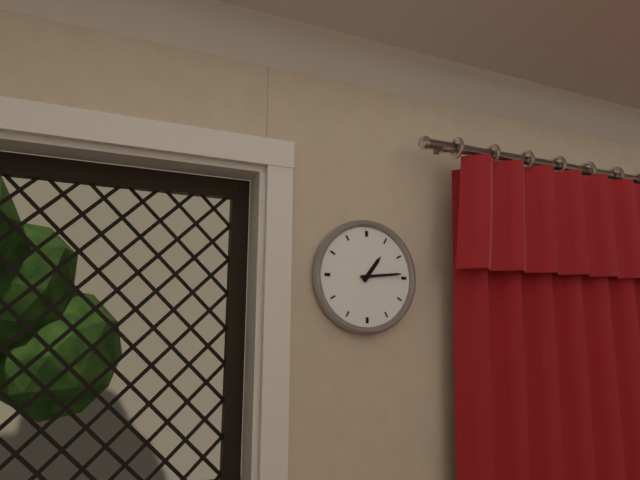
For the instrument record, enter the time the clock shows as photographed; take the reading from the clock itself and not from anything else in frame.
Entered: 1:14
